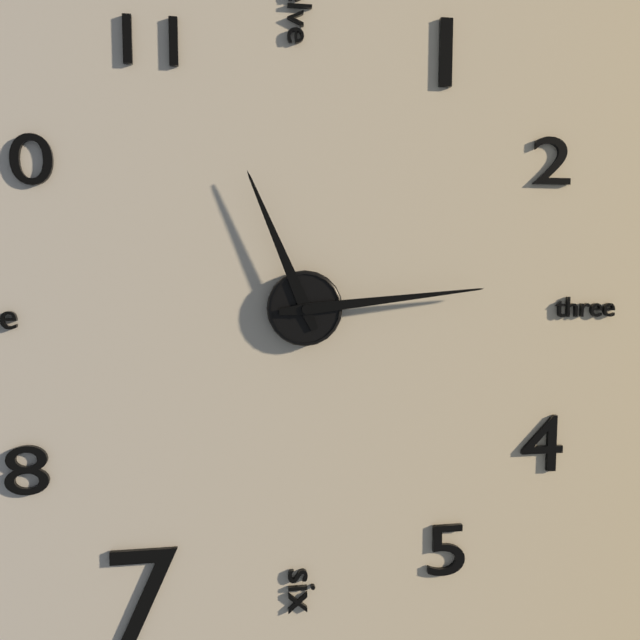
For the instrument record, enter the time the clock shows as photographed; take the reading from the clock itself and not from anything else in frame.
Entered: 11:14
